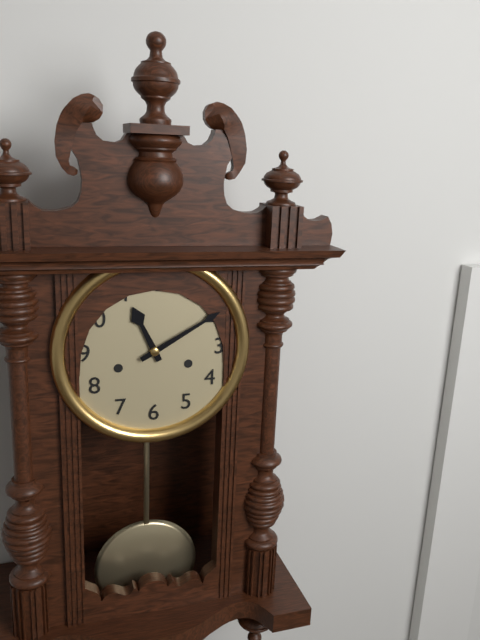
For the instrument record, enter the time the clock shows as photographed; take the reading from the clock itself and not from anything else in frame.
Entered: 11:10
